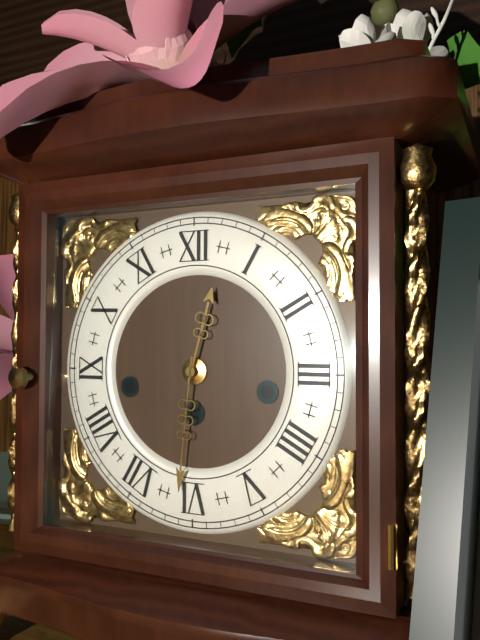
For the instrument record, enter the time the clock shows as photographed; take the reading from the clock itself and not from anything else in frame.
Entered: 12:31
